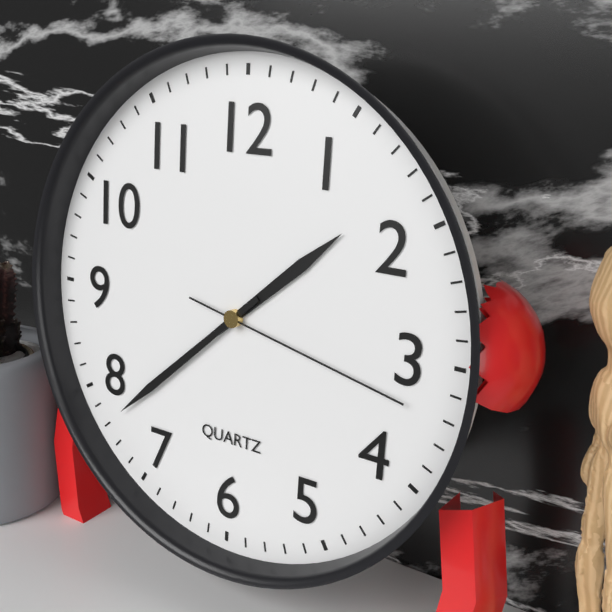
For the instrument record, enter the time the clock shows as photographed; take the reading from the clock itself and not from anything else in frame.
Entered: 1:38:17
